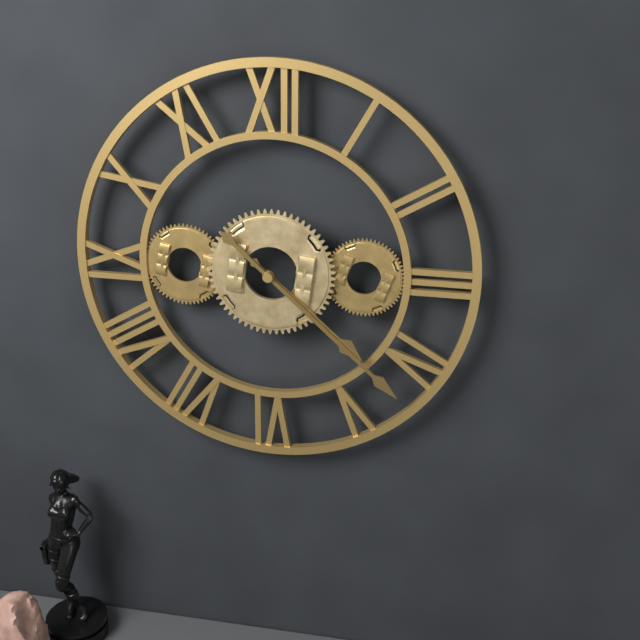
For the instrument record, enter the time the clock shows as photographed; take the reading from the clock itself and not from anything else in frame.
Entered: 4:22
